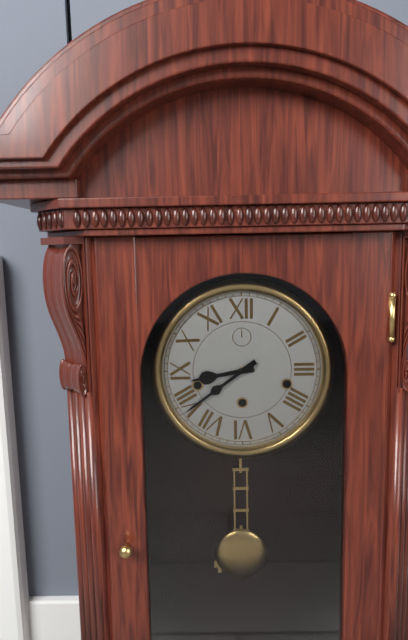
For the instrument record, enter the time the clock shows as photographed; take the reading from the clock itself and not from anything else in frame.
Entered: 8:39
